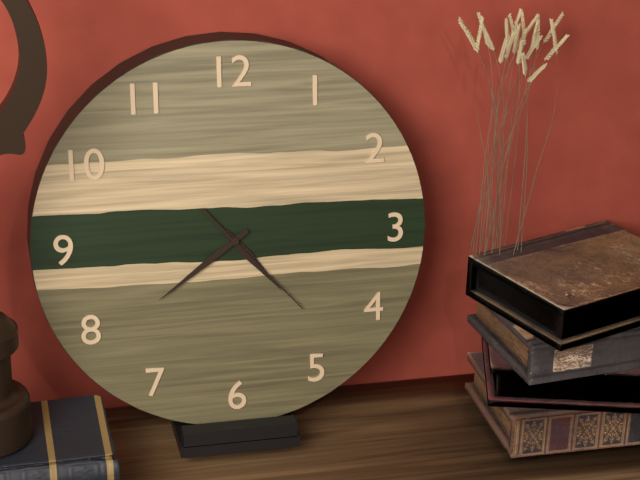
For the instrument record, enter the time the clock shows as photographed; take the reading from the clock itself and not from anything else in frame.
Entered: 4:39:23
